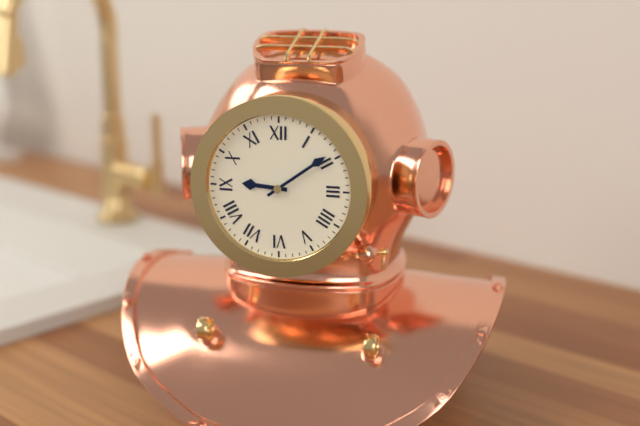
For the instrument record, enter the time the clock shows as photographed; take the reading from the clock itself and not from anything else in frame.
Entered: 9:09
